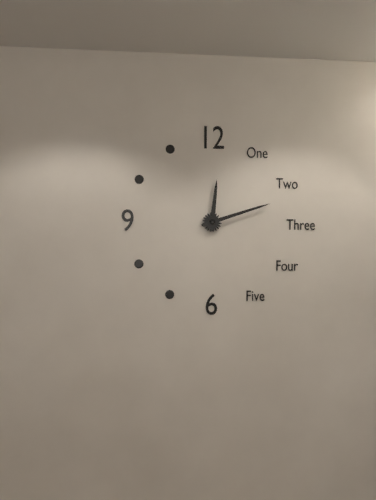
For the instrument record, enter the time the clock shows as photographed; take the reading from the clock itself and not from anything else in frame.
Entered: 12:12
